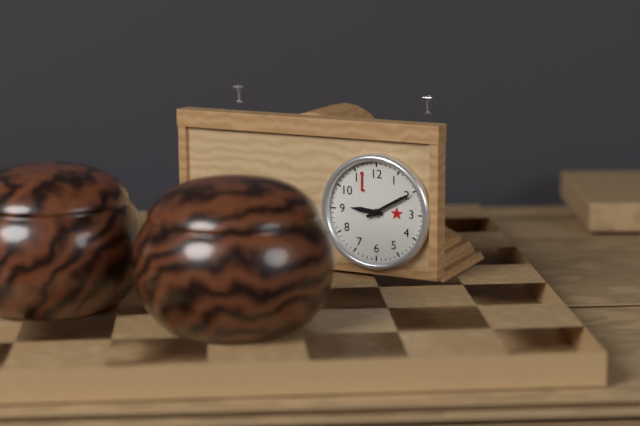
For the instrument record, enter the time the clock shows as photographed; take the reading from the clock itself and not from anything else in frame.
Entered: 9:10
